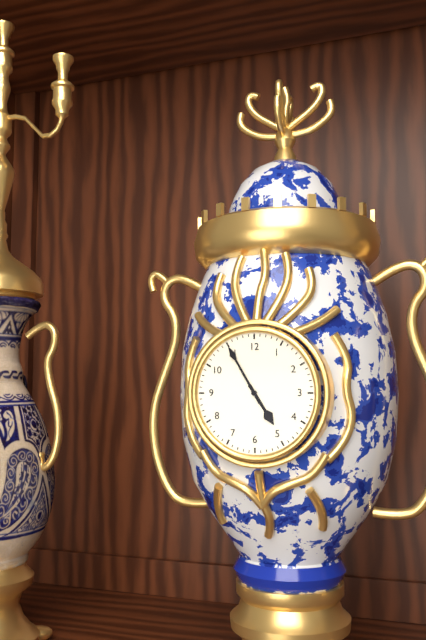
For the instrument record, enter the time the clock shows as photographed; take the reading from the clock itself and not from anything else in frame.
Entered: 4:55
